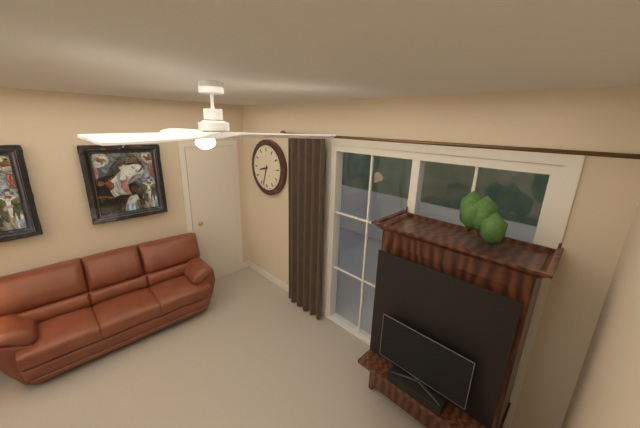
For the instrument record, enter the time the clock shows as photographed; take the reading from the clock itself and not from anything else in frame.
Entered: 8:33
